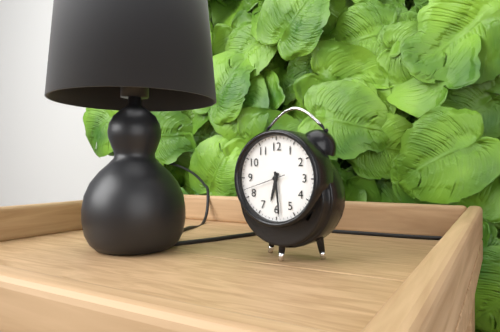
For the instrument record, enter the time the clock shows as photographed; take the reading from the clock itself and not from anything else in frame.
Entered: 6:29
